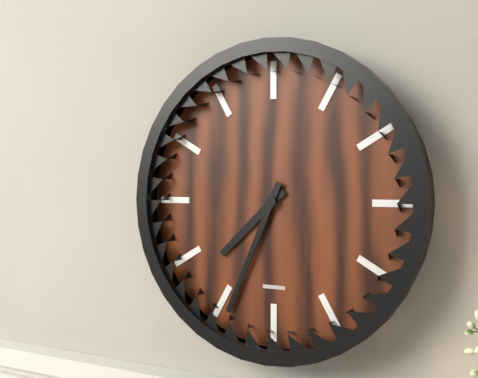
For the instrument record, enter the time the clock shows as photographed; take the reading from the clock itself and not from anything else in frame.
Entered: 7:34
